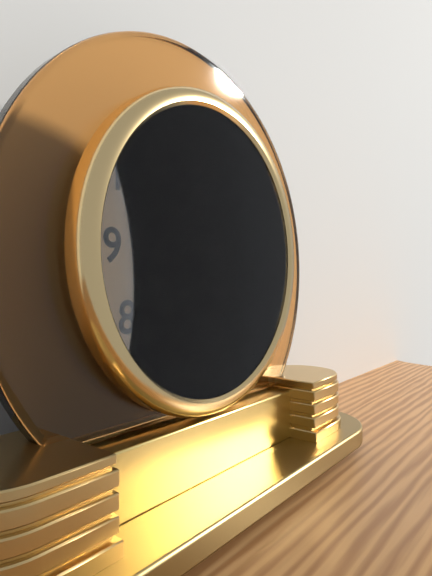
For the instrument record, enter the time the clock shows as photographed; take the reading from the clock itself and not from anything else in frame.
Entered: 6:05
